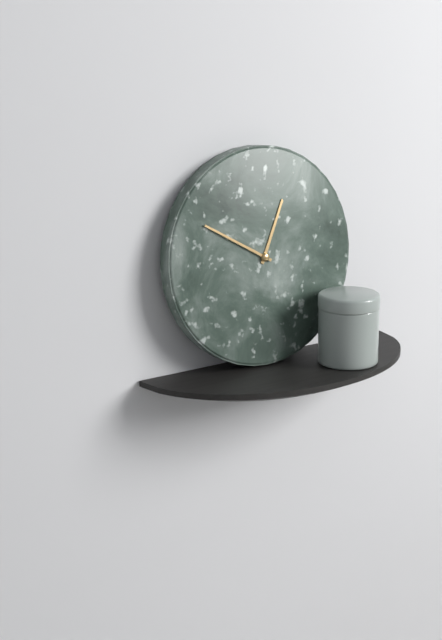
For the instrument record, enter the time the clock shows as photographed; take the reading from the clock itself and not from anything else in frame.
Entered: 12:50
